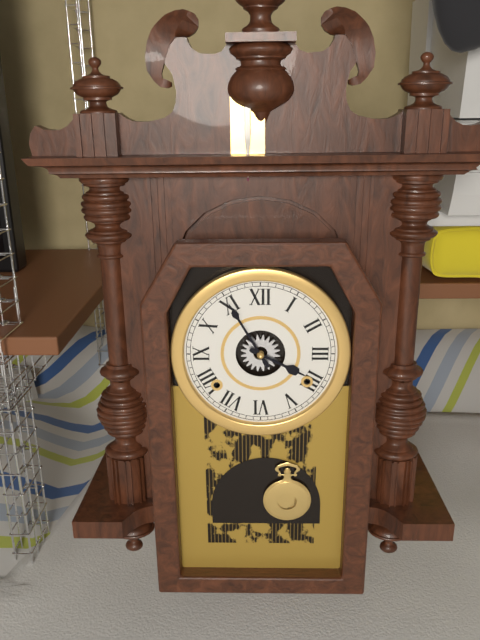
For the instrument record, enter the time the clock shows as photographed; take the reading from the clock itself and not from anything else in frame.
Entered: 3:55
